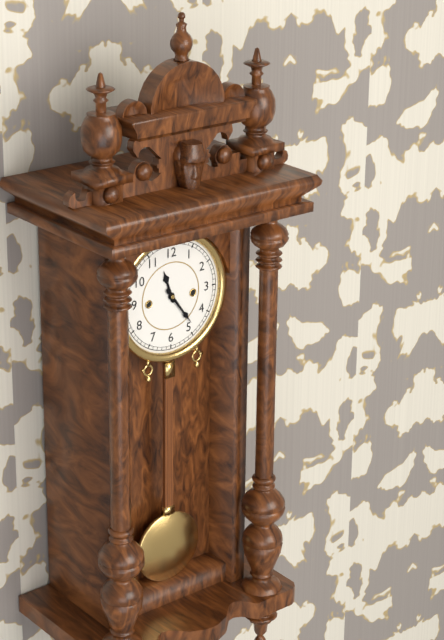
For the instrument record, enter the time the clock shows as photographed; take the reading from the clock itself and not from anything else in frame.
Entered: 11:24
